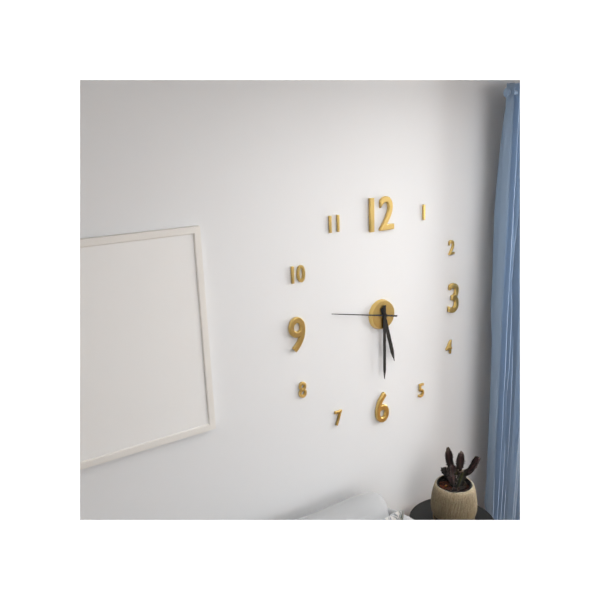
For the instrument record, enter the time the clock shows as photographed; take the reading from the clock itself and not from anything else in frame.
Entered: 5:30:47
